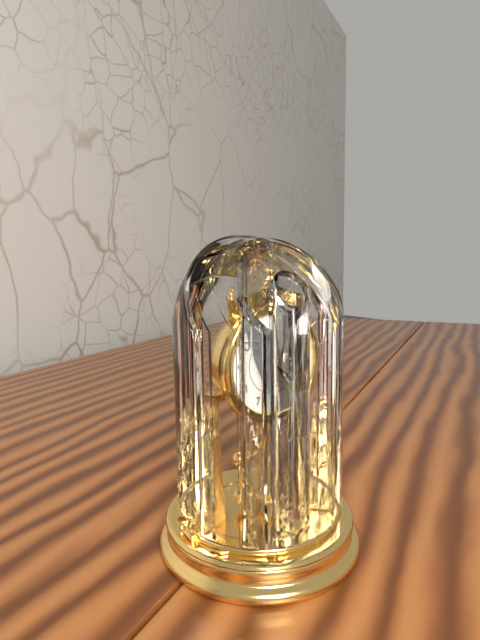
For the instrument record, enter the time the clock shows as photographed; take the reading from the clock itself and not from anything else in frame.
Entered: 4:24
